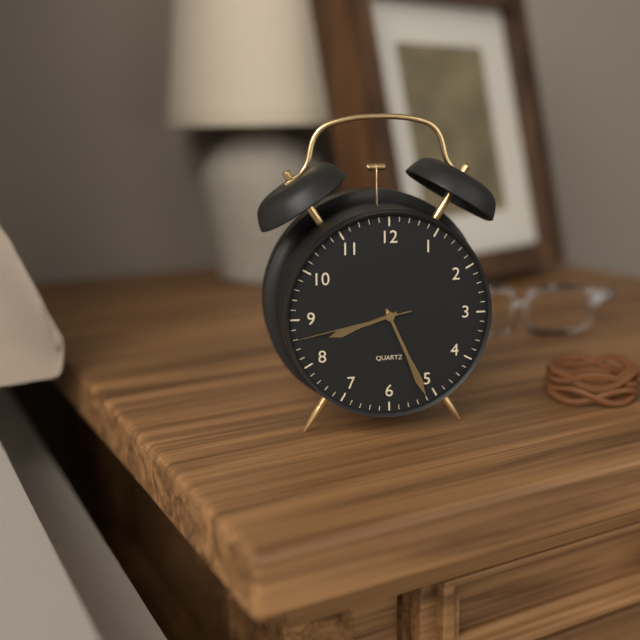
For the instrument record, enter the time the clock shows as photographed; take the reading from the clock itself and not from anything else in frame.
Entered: 8:26:43
